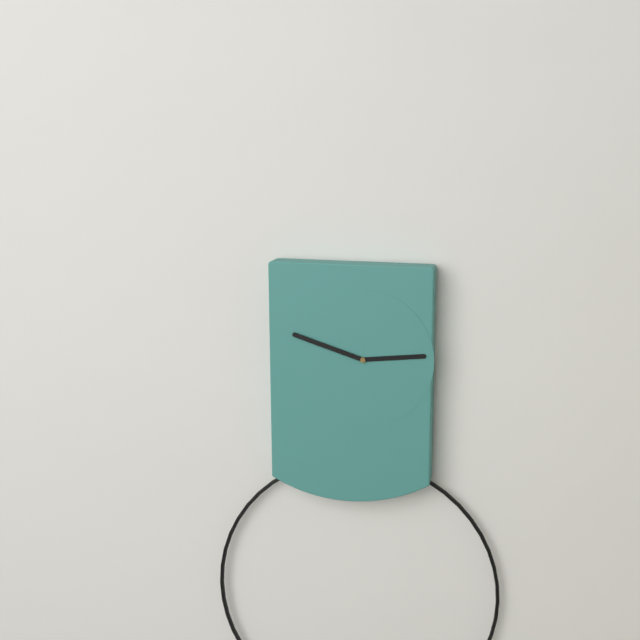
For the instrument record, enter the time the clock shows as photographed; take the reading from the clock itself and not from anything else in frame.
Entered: 2:48
